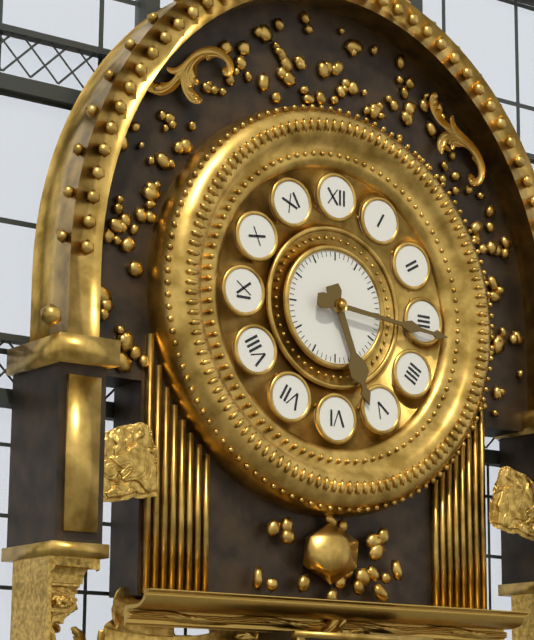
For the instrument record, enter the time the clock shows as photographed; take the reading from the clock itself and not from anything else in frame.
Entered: 5:16
